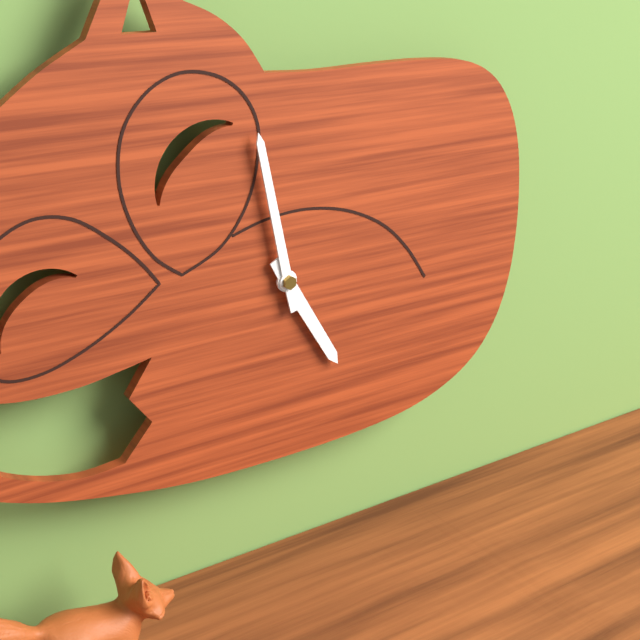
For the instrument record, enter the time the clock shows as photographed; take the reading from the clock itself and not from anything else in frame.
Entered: 4:58
